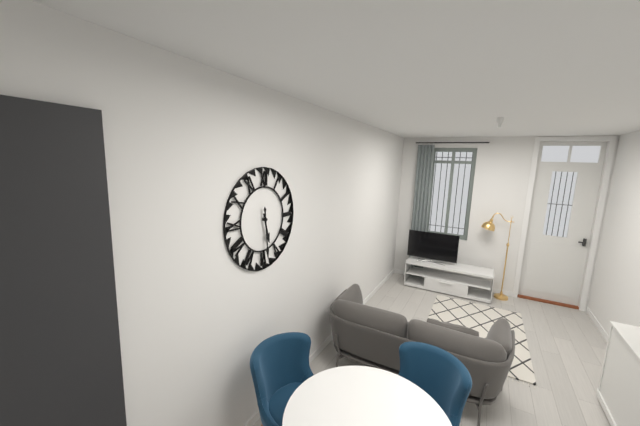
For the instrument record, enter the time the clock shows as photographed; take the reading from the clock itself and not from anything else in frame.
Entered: 5:29
